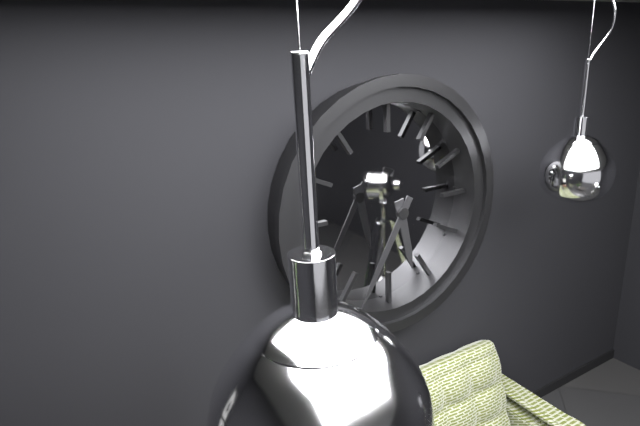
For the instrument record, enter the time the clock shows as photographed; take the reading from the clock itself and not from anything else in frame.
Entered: 5:35
